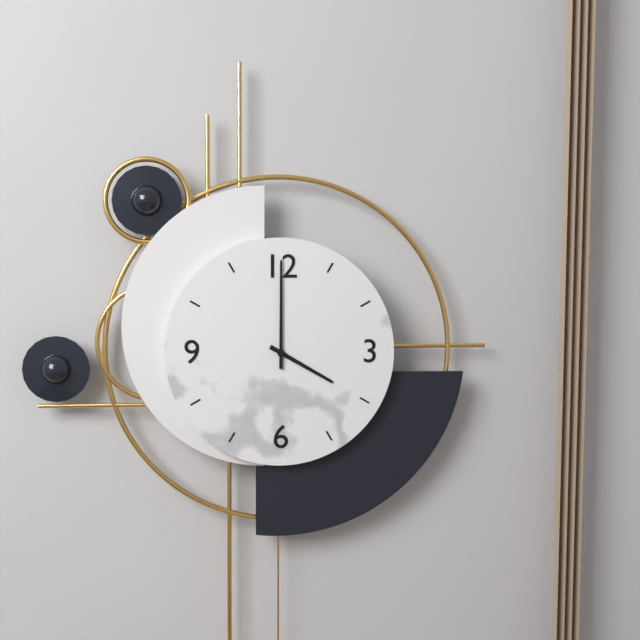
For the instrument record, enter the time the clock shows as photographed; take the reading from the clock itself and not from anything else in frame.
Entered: 4:00
